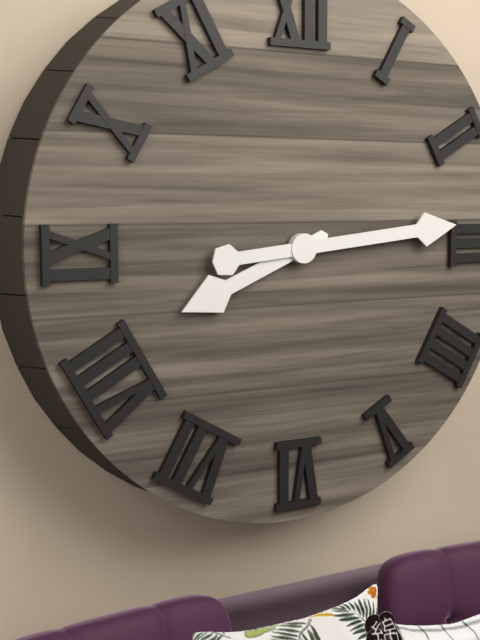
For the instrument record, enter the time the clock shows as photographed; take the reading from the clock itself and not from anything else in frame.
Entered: 8:14
